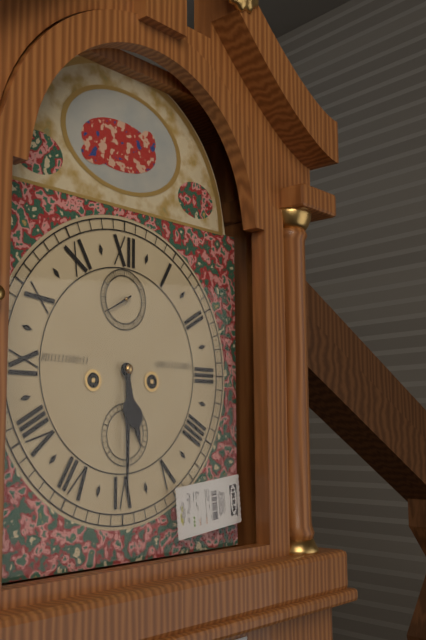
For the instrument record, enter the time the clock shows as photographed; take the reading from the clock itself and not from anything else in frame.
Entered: 5:30
